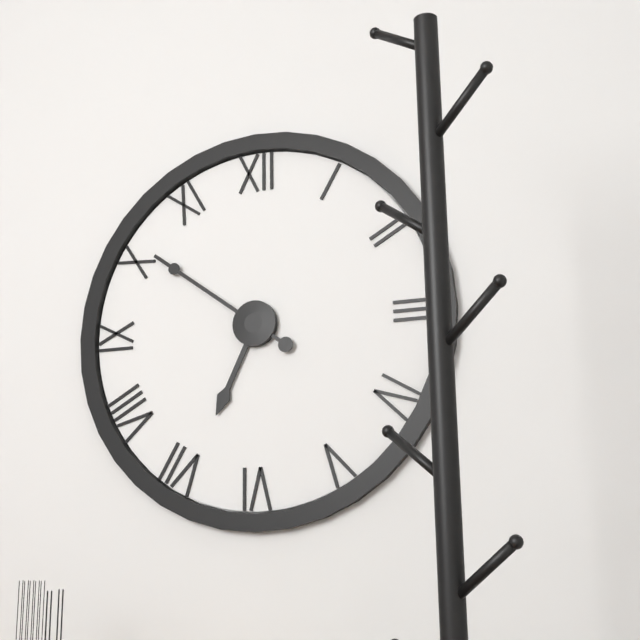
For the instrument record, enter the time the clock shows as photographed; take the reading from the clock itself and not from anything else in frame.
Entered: 6:51
